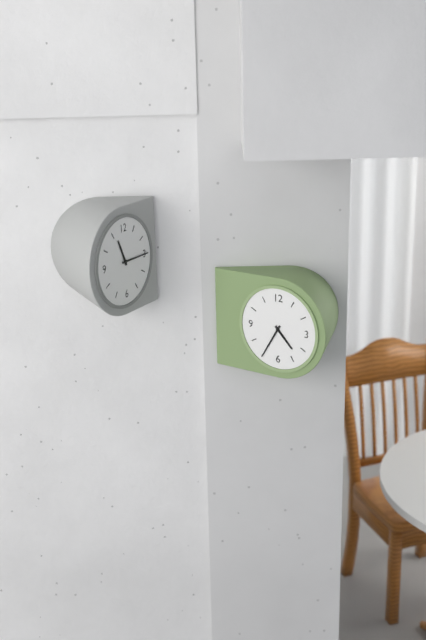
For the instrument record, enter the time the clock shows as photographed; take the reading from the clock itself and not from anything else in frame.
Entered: 4:35
